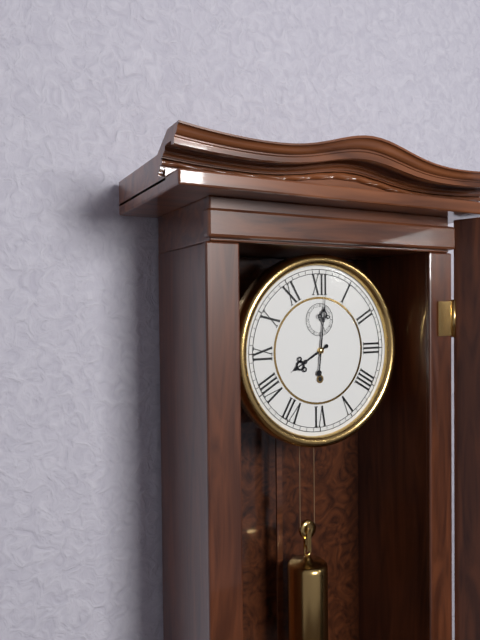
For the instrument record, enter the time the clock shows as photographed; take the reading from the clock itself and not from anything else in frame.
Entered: 8:01
